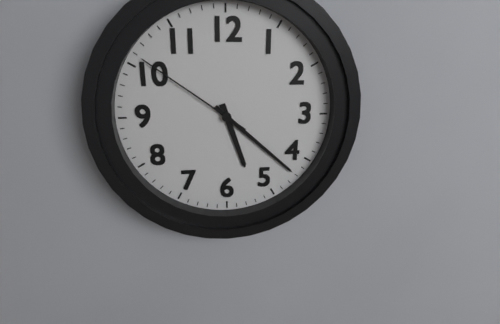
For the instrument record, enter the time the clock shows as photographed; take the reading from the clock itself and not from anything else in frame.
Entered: 5:22:51
